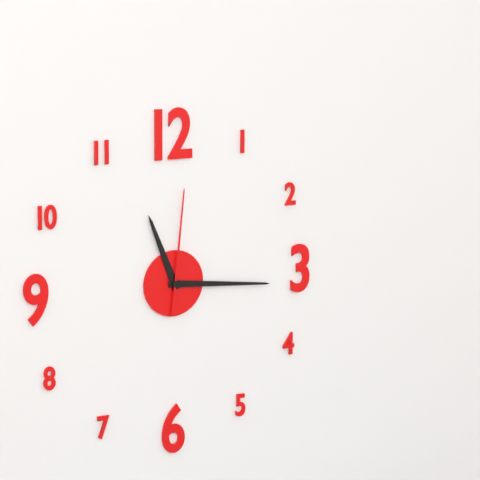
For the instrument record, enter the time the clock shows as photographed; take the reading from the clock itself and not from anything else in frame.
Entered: 11:16:01
